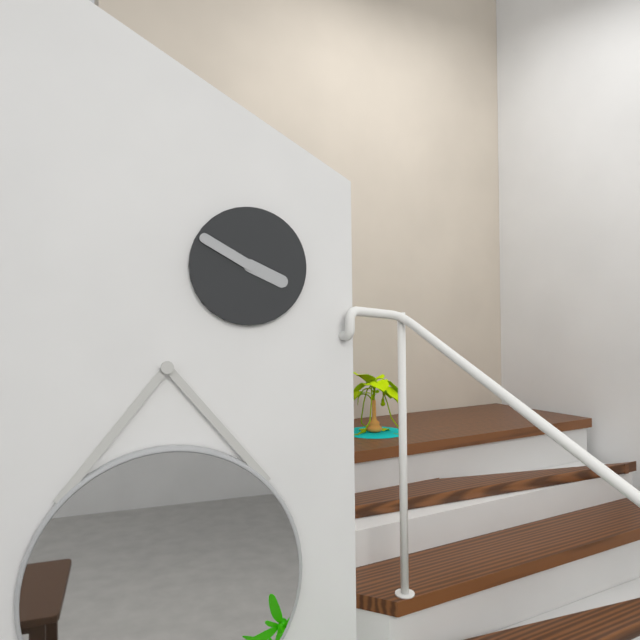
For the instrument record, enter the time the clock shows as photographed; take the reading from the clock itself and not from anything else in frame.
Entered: 3:50
